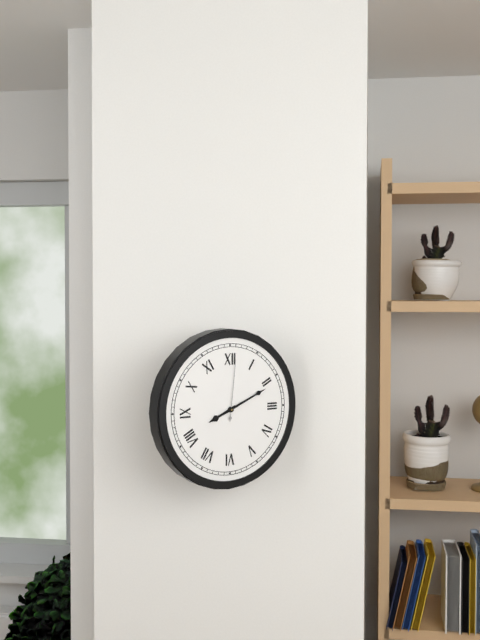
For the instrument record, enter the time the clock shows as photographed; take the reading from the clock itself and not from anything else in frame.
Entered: 8:11:01
